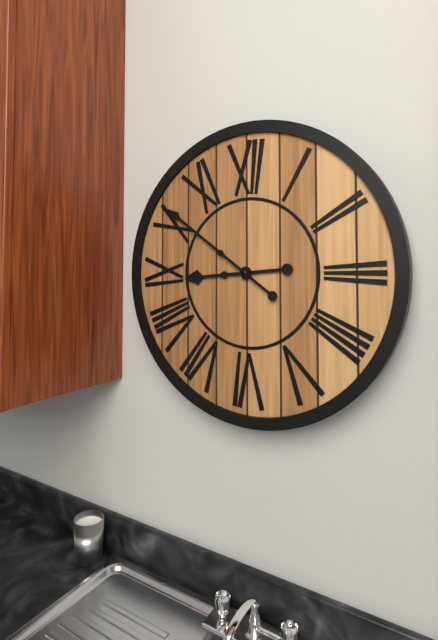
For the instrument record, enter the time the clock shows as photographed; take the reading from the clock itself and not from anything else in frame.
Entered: 8:51
